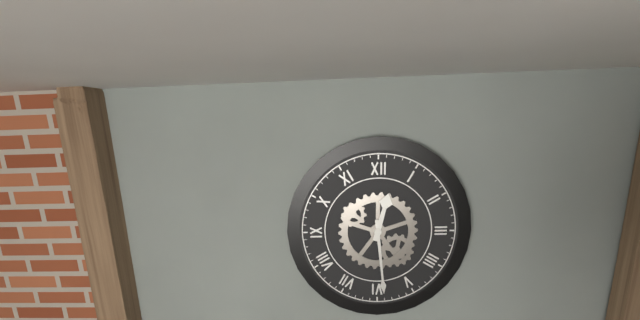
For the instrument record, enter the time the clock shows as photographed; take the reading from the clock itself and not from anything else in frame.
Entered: 12:29
